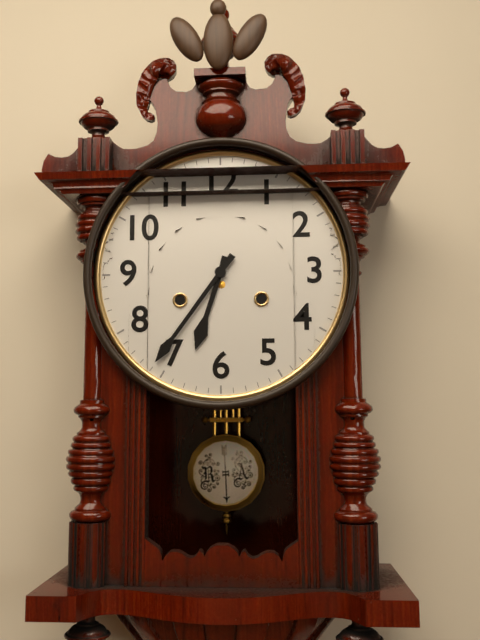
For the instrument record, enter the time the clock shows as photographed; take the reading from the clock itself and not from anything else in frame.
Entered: 6:36
